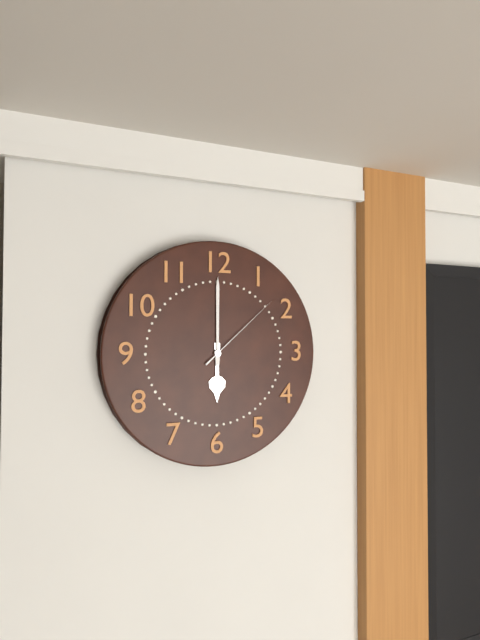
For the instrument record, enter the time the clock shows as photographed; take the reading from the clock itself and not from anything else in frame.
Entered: 6:00:08
